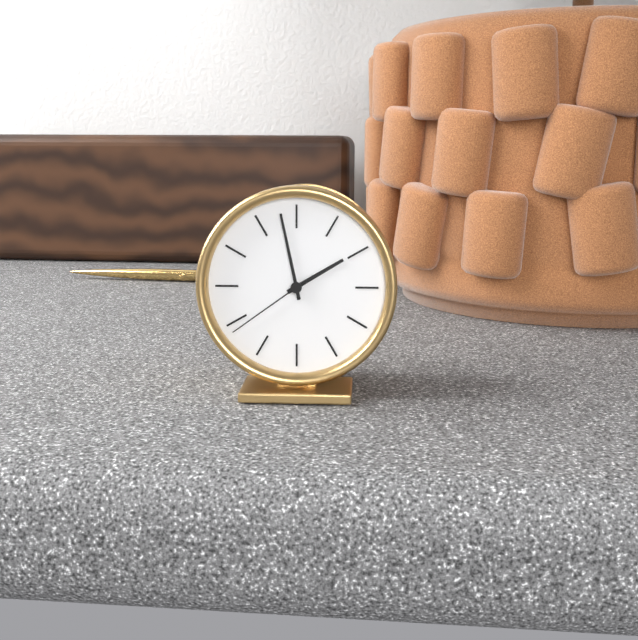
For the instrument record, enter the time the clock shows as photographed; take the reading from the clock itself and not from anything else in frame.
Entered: 1:58:39
